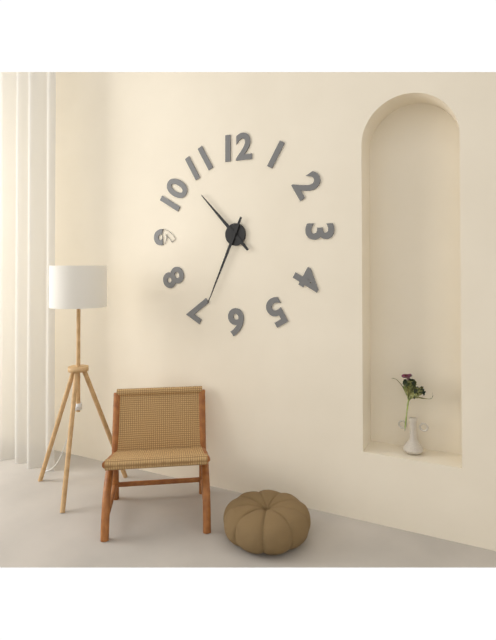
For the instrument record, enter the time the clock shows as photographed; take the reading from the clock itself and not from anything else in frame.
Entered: 10:34
